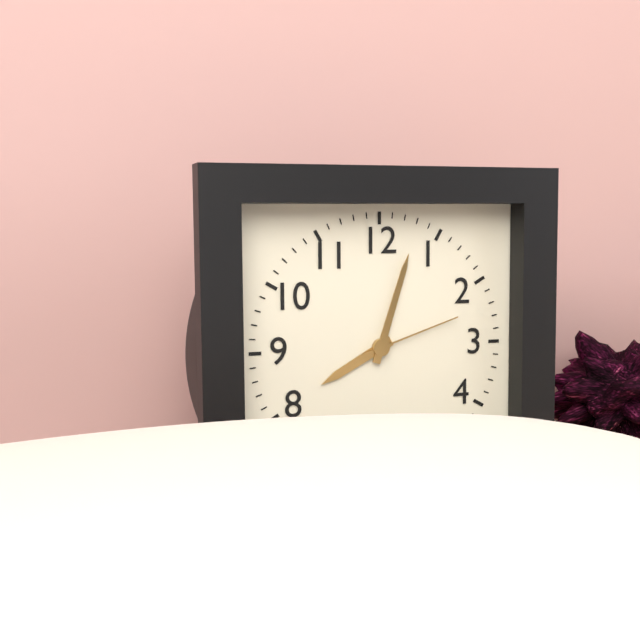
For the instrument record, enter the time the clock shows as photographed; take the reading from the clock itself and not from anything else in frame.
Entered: 8:03:12
